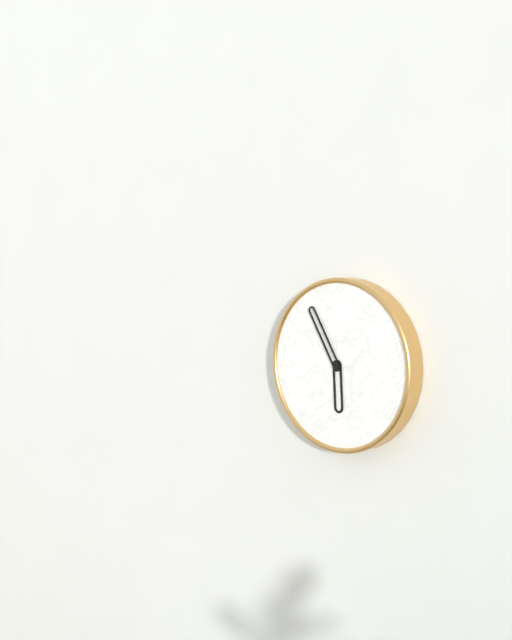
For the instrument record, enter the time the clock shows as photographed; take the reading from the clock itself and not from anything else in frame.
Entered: 5:55
